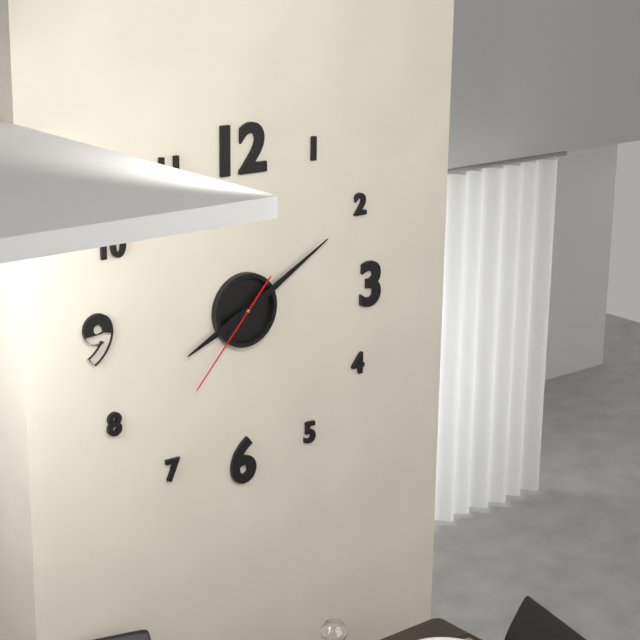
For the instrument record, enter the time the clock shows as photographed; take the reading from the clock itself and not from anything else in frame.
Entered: 8:10:37
